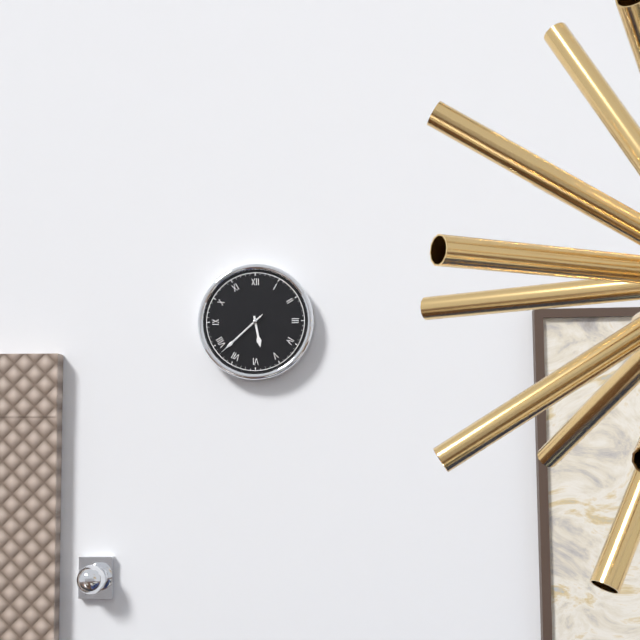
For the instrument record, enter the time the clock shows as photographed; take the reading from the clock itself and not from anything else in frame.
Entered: 5:38:38
